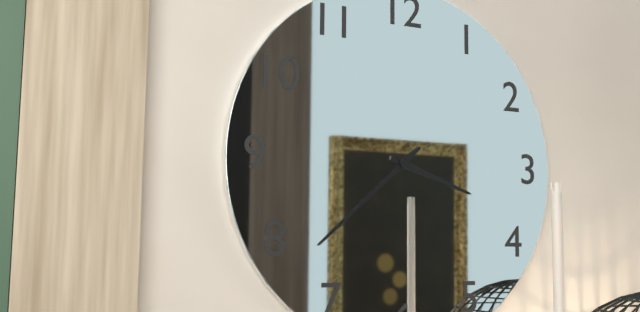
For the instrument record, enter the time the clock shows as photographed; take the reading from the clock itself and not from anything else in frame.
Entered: 3:38
